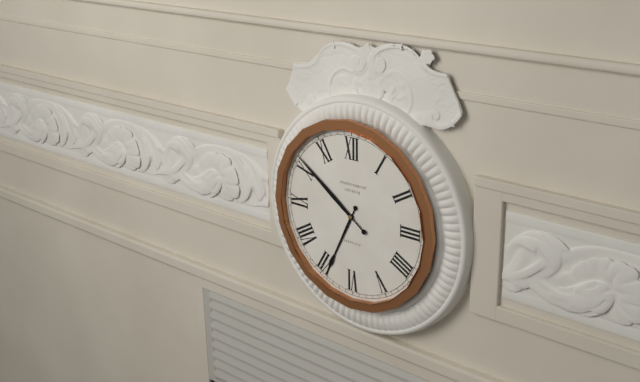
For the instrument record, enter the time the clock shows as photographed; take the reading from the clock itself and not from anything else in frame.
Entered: 6:51
